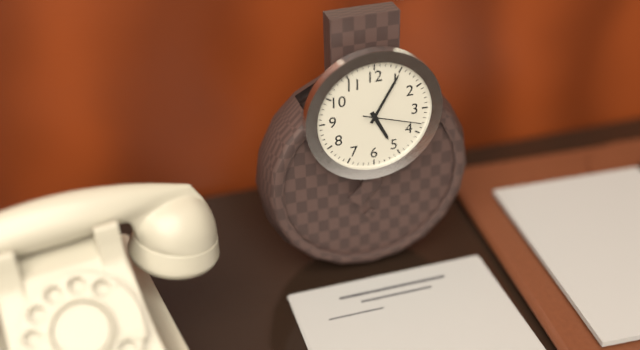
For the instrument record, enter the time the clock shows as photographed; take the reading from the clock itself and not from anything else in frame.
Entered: 5:05:18
